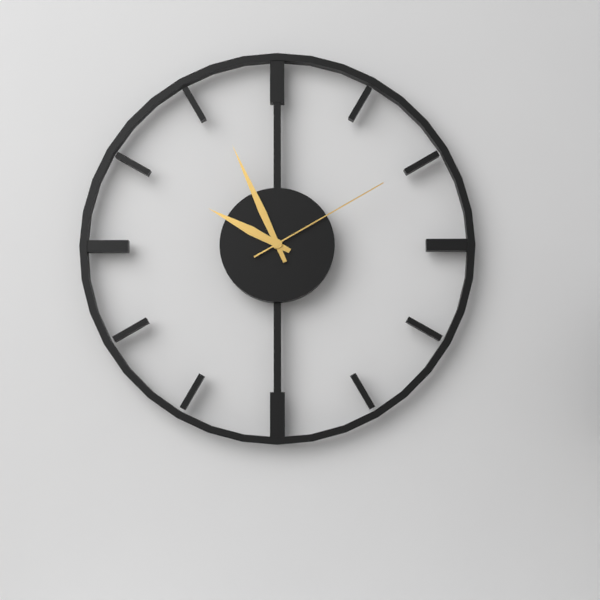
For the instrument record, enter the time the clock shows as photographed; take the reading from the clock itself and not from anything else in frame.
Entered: 9:56:10
